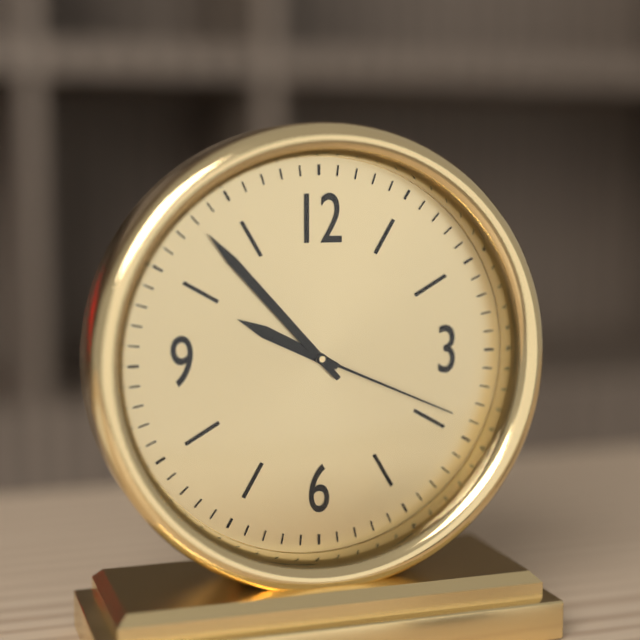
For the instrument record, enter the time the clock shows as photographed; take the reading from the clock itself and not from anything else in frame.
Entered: 9:53:19
